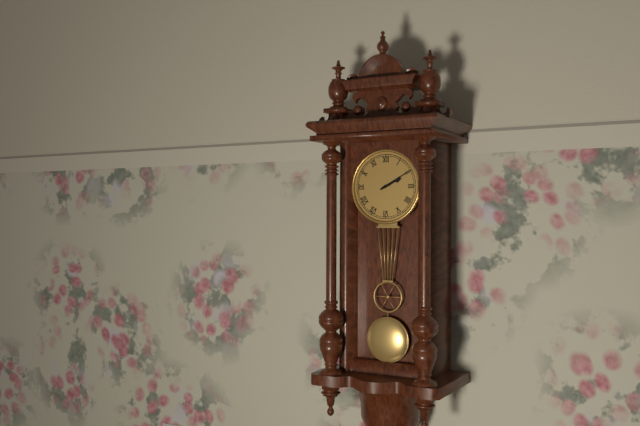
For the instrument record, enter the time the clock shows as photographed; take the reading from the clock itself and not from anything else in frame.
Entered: 2:10
